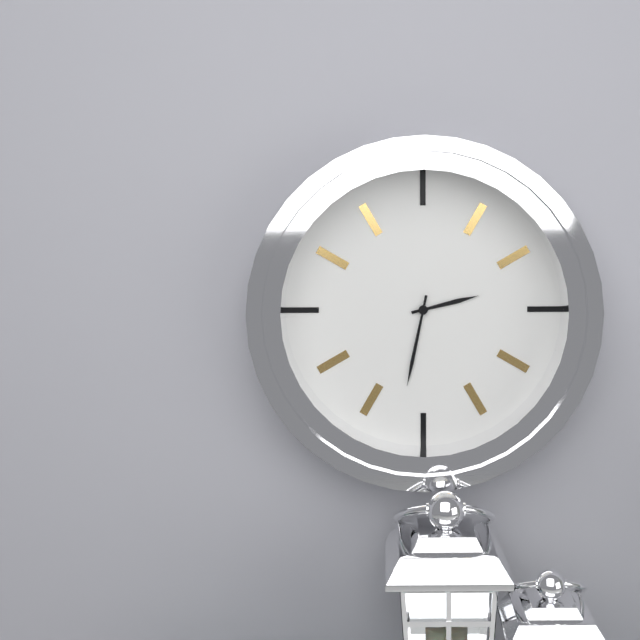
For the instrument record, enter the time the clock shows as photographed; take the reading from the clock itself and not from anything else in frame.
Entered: 2:32
